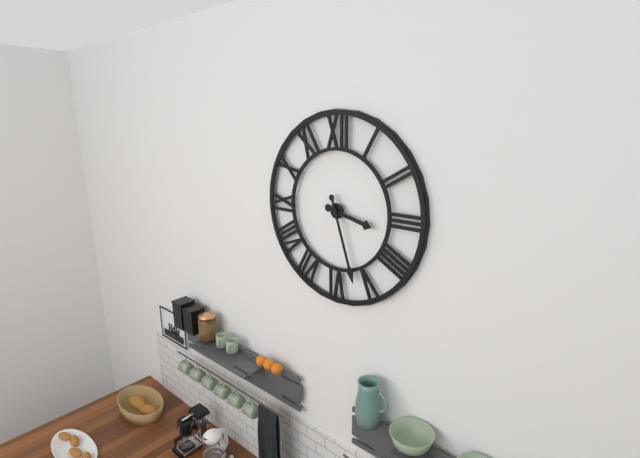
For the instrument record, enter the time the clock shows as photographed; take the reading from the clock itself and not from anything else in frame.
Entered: 3:27
